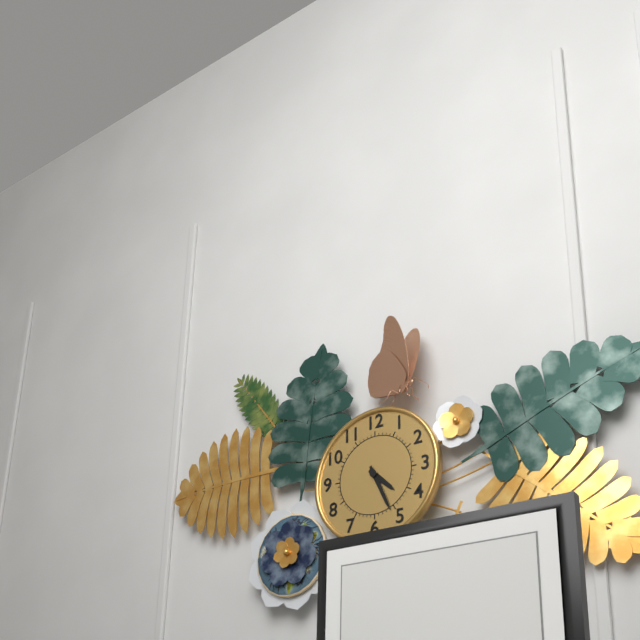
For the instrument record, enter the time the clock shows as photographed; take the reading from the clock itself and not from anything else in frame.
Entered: 4:26
